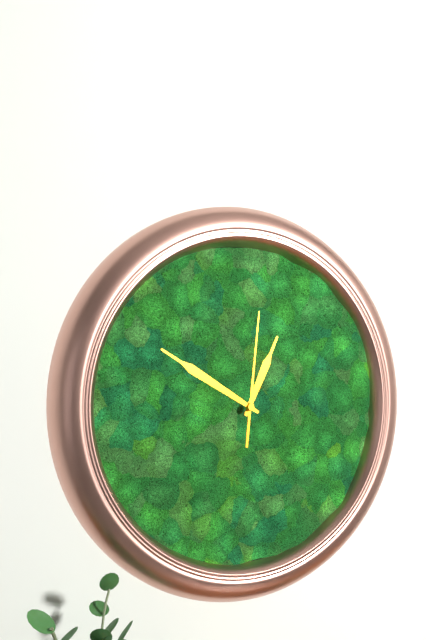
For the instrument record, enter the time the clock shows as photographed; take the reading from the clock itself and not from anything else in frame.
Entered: 12:50:01
